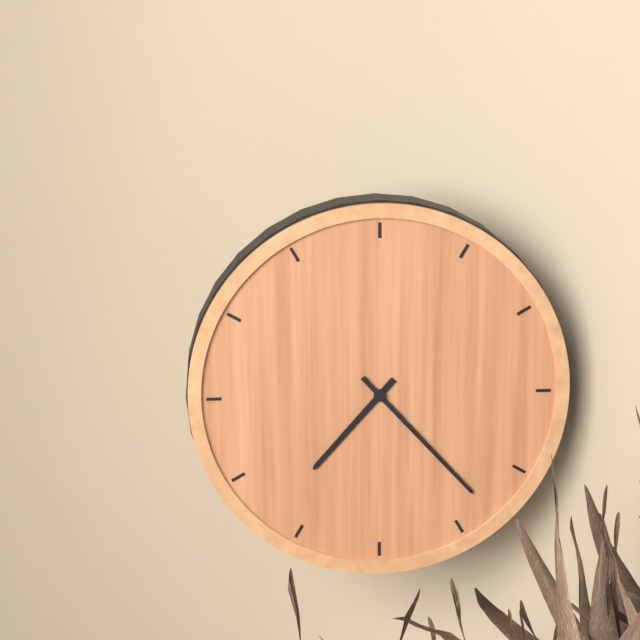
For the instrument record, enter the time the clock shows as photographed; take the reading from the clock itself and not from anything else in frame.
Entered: 7:23
